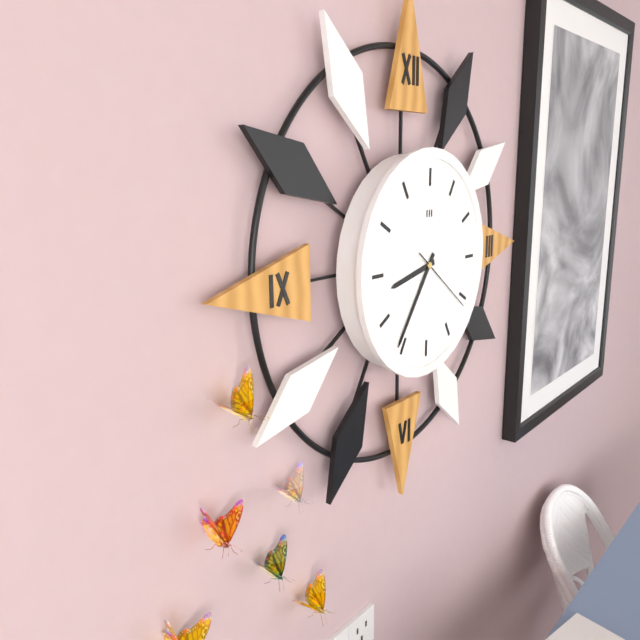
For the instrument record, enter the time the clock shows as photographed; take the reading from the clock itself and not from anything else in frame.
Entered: 8:36:21
